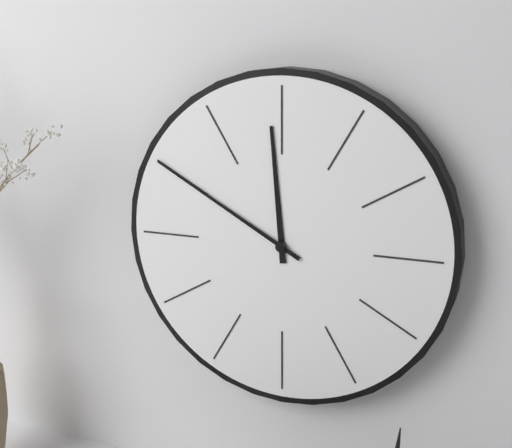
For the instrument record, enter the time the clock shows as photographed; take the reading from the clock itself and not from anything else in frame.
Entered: 11:50
